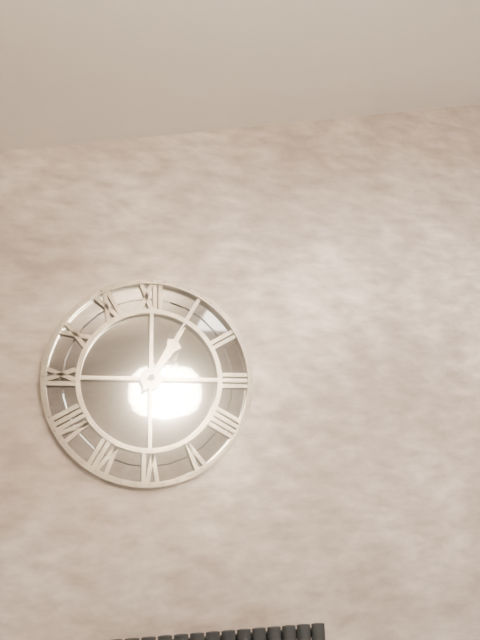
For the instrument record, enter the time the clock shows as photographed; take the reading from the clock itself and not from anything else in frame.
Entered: 1:05
